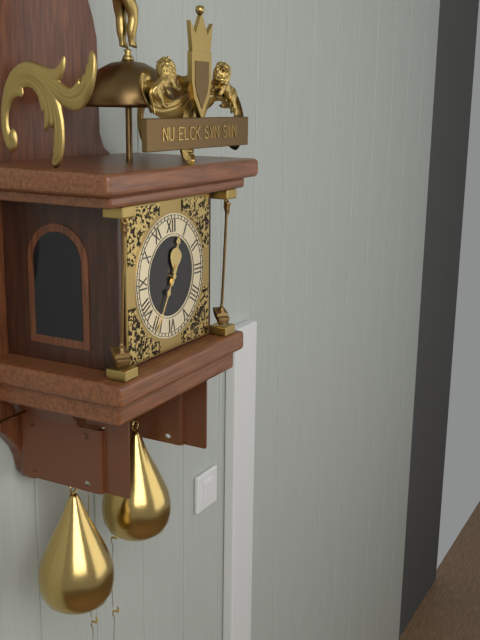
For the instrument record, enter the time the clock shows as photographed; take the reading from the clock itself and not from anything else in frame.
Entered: 12:35
